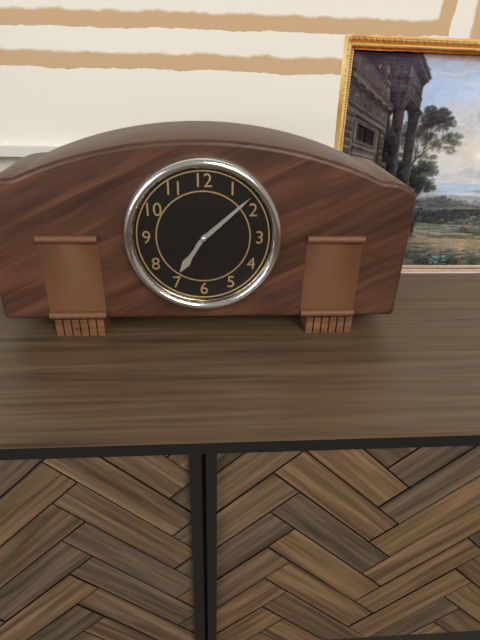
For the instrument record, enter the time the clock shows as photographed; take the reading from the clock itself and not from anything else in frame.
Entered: 7:08
